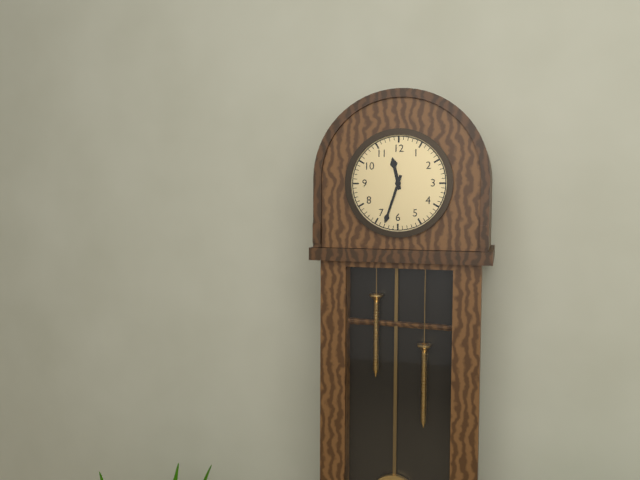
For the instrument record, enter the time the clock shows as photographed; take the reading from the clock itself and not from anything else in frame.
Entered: 11:33
